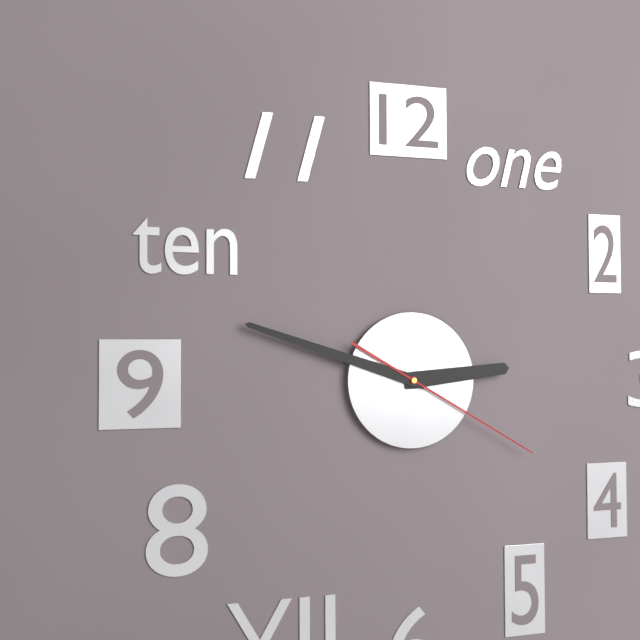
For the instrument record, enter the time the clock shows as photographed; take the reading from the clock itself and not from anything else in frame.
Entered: 2:48:20
